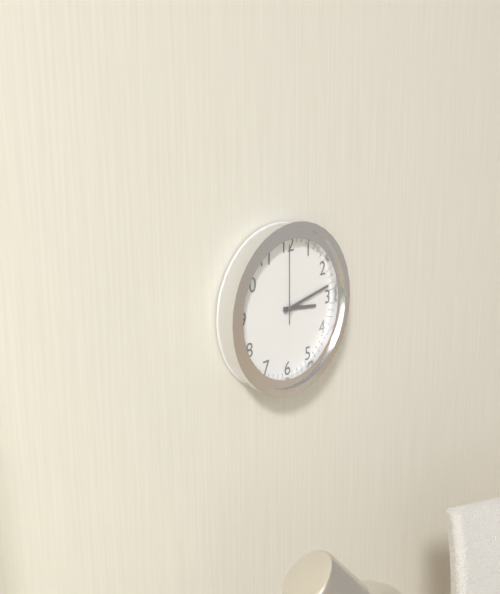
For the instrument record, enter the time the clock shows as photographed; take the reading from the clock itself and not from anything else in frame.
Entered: 3:13:00
